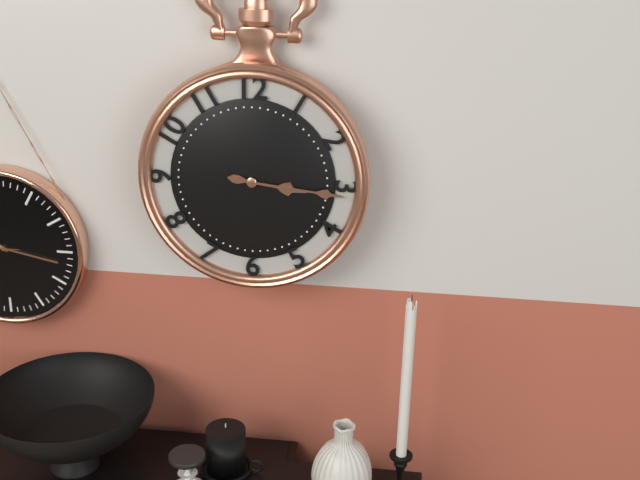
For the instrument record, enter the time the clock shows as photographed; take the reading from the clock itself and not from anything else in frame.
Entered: 3:16
